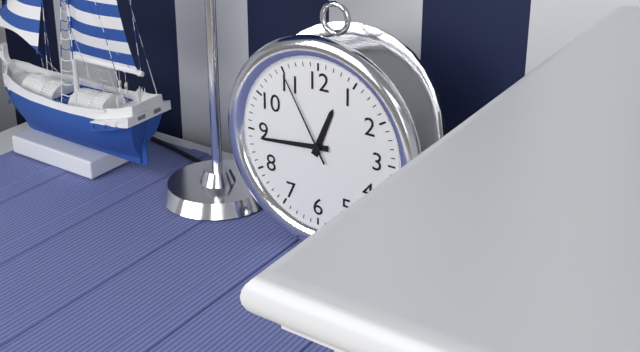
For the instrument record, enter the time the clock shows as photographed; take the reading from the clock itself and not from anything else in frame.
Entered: 12:44:55
